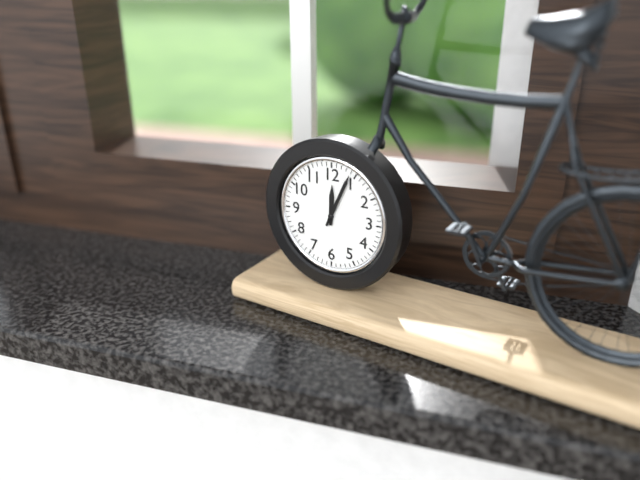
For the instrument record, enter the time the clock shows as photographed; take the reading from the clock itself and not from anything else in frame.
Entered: 12:04
